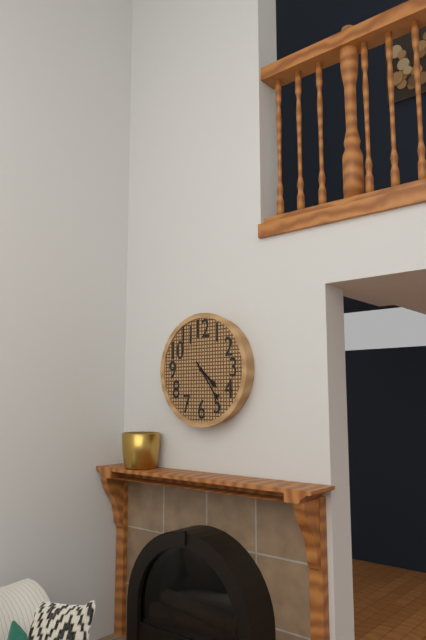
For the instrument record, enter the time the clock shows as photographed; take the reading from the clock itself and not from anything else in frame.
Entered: 4:24
